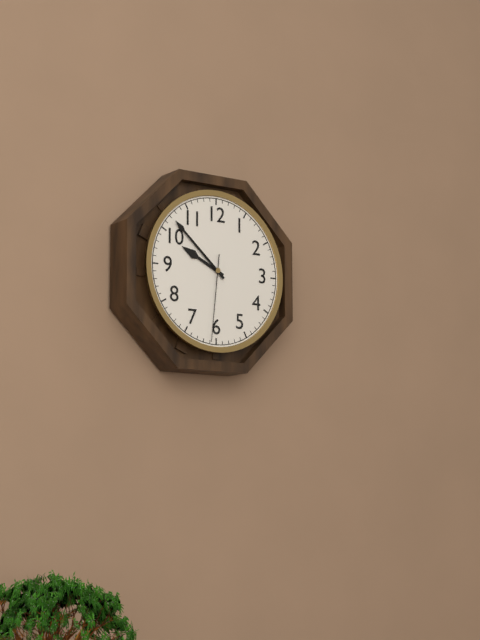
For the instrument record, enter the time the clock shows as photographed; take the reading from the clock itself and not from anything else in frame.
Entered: 9:52:31
